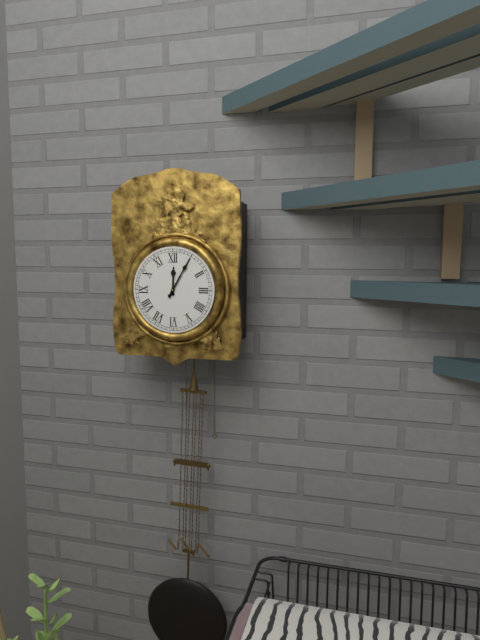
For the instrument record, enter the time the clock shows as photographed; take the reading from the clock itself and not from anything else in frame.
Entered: 12:05
